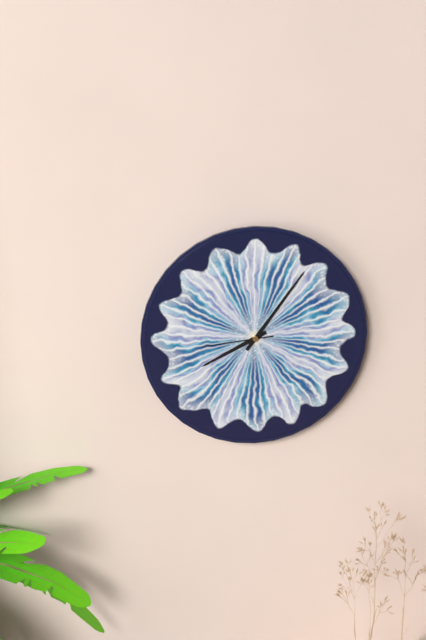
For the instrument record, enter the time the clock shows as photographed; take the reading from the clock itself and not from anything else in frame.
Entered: 8:06:44
